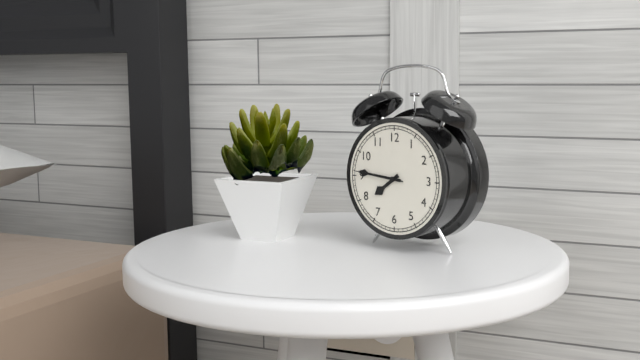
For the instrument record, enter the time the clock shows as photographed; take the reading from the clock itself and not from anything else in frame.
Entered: 7:46
